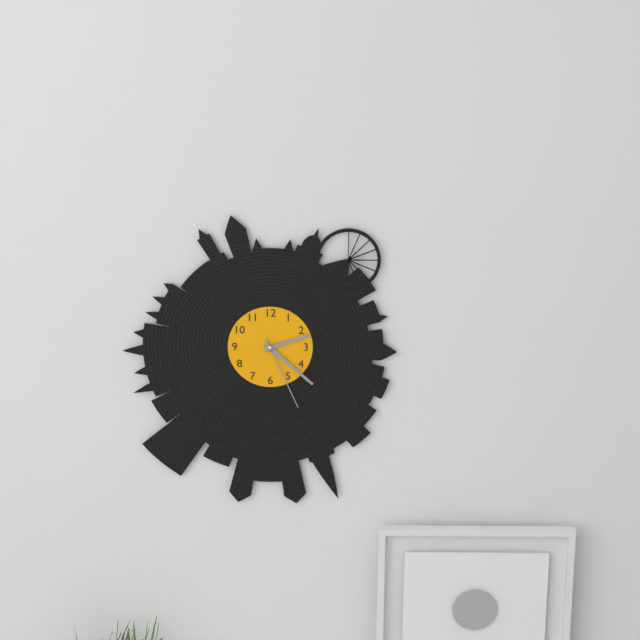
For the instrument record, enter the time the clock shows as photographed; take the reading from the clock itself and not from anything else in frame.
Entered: 2:22:26
